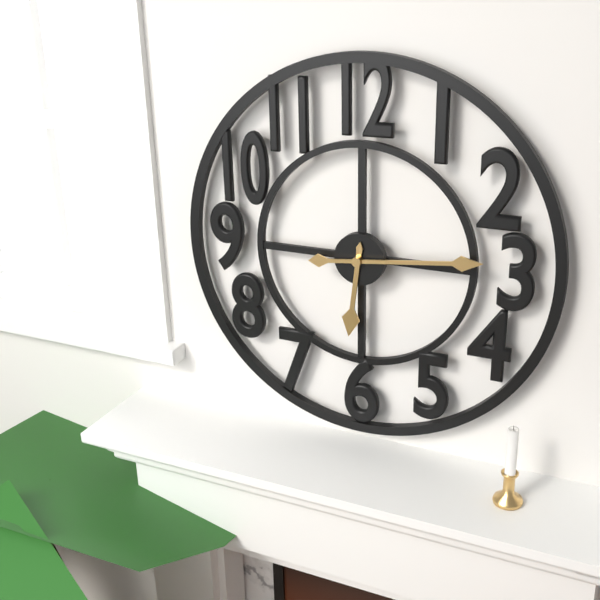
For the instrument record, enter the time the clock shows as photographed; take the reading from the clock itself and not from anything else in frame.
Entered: 6:14
